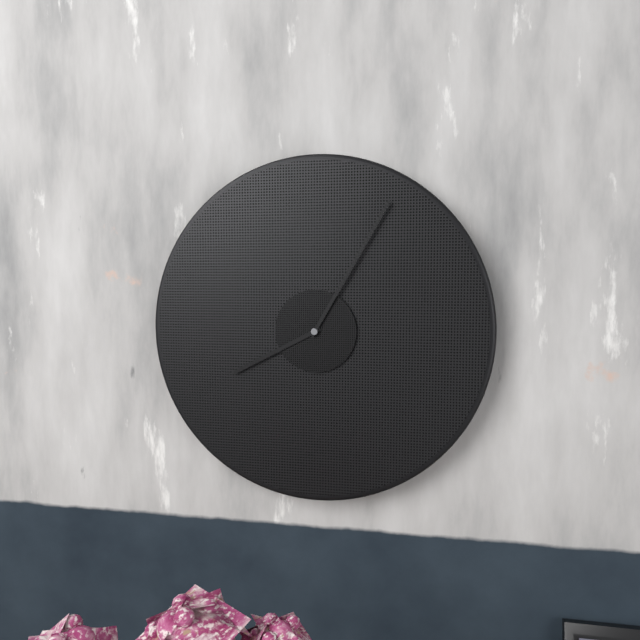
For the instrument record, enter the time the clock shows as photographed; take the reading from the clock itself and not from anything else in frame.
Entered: 8:05
